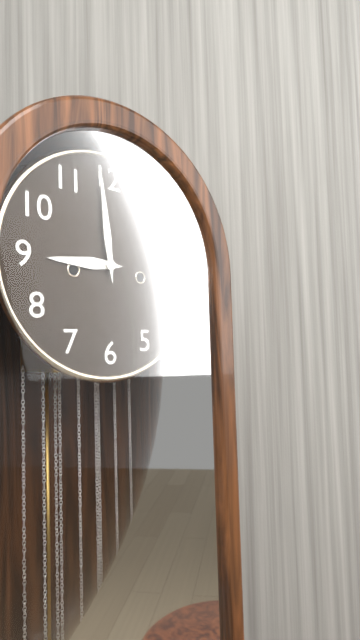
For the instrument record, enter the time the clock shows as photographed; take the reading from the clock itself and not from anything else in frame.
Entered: 8:59
